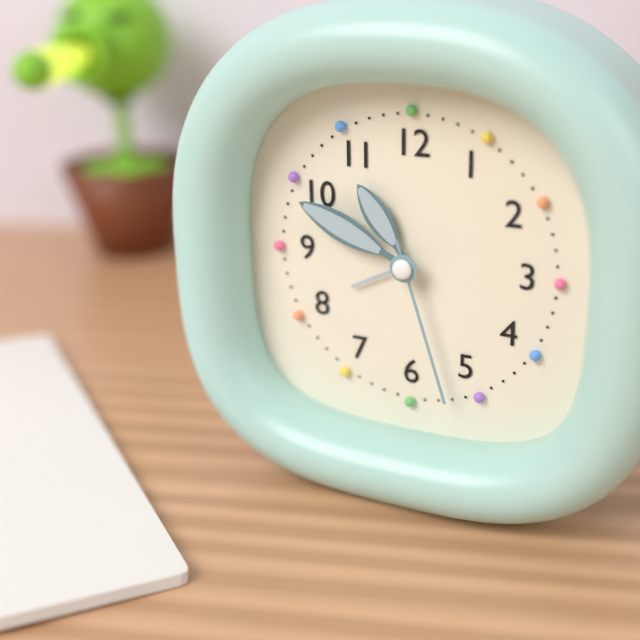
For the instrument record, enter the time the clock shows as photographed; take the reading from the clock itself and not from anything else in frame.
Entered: 10:49:27
